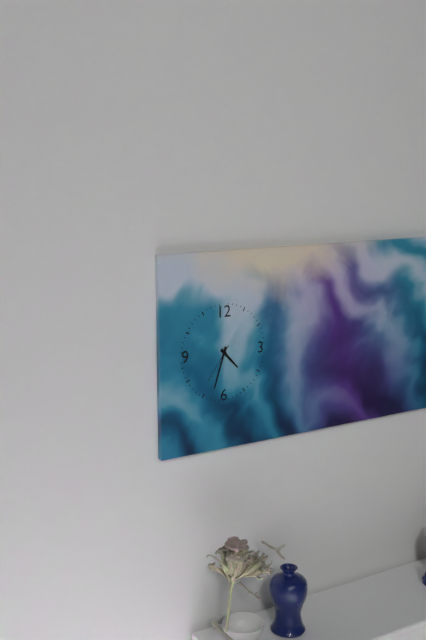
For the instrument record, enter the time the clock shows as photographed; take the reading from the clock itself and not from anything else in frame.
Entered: 4:33
